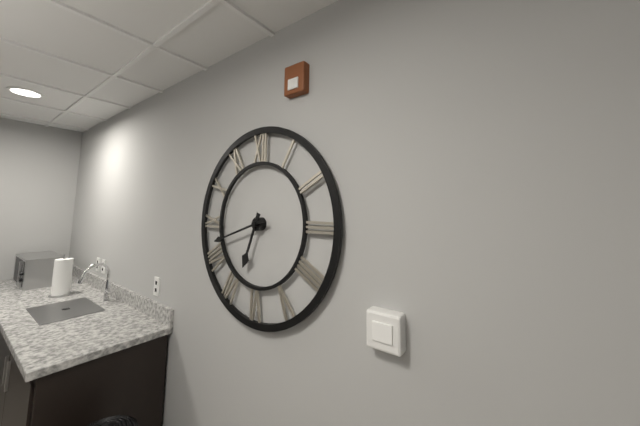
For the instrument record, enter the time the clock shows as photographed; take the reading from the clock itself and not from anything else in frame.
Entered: 6:42
